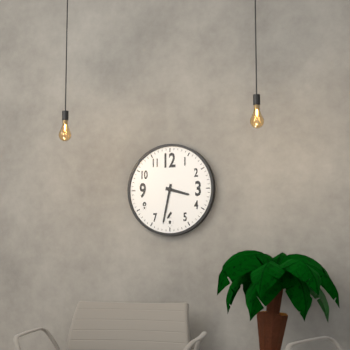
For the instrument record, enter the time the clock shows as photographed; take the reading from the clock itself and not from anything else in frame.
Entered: 3:32
